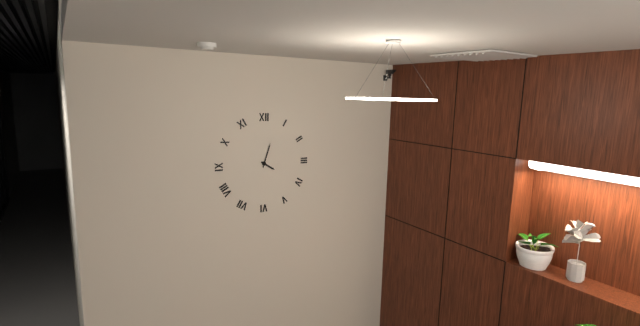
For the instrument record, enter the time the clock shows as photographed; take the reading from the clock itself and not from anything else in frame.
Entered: 4:03
